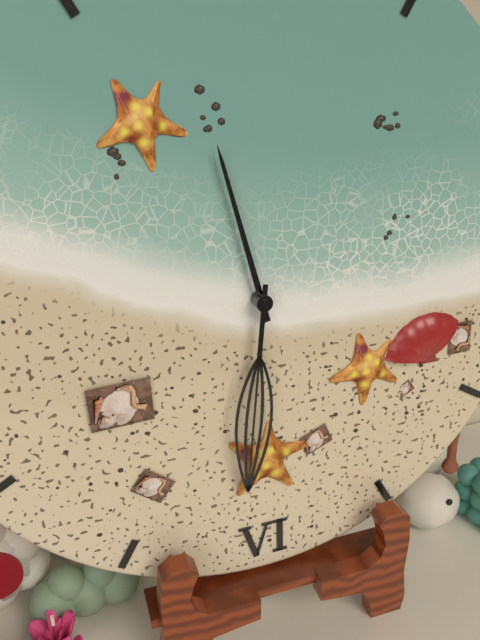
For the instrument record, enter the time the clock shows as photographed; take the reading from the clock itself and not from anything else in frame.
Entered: 11:31
